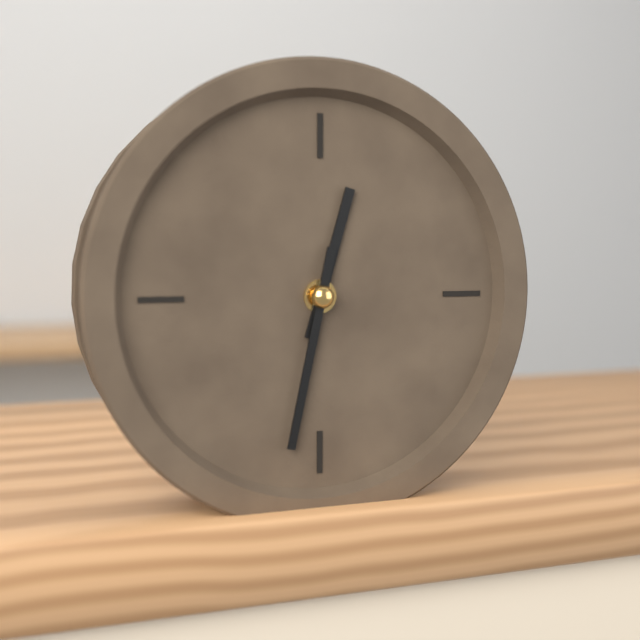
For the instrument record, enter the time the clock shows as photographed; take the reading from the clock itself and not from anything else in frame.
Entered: 12:32
